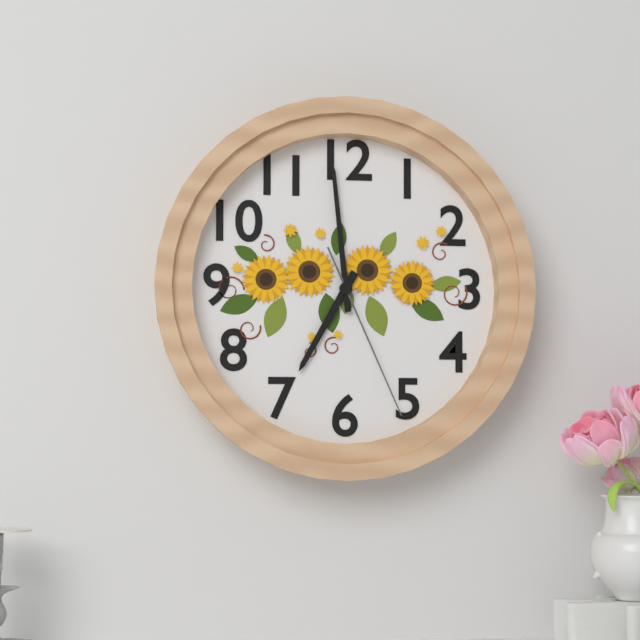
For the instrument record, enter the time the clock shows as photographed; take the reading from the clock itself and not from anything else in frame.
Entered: 6:59:26
